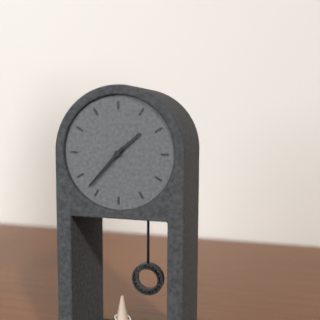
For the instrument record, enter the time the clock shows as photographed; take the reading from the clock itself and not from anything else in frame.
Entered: 1:37
